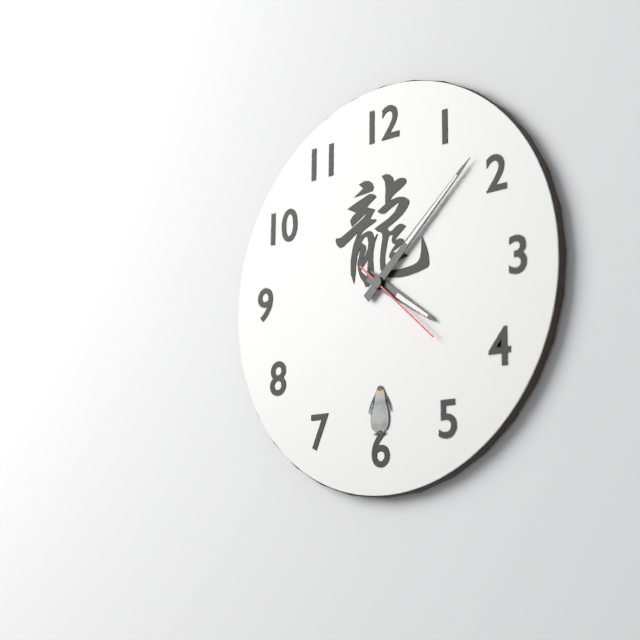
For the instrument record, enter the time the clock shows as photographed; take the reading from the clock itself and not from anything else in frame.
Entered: 4:08:22
